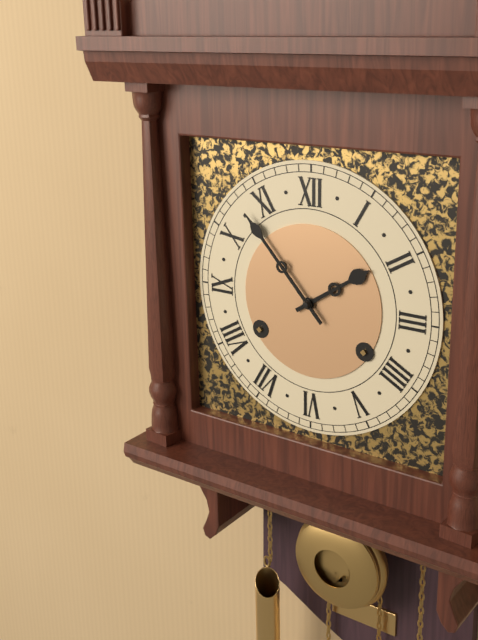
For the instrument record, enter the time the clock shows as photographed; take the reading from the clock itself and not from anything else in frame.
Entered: 1:53
